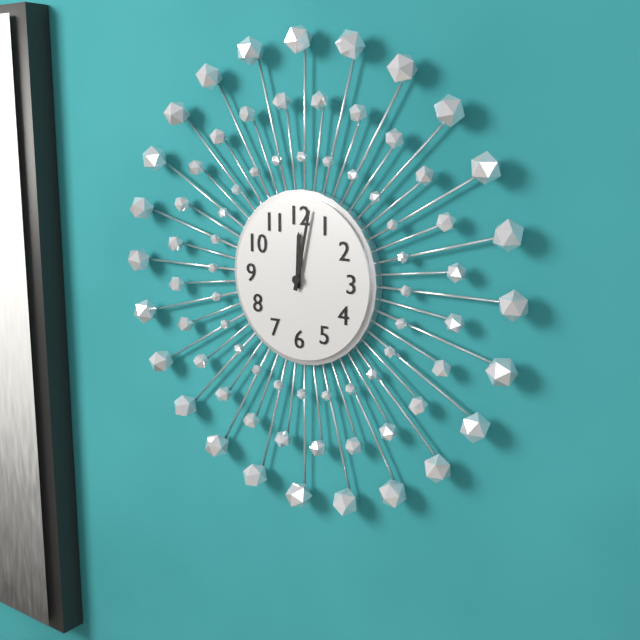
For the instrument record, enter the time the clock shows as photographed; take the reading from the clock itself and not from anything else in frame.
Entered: 12:02
